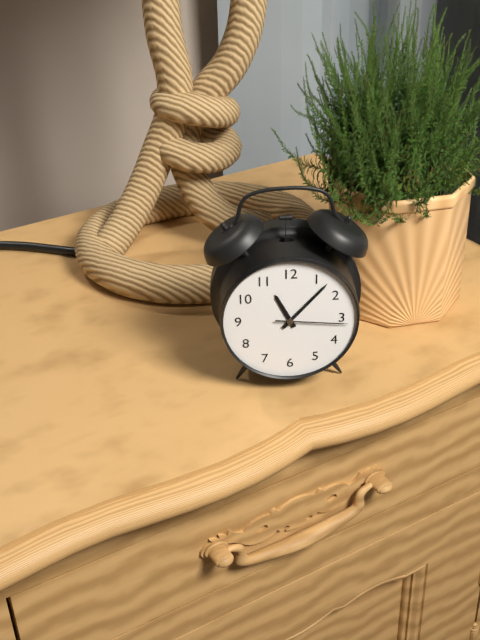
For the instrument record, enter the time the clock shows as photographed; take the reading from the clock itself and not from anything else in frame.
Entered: 11:07:16
